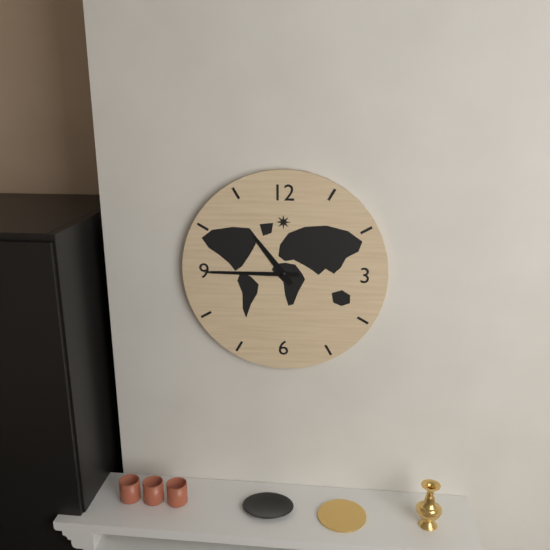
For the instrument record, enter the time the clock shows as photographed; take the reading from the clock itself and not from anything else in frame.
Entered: 10:45
